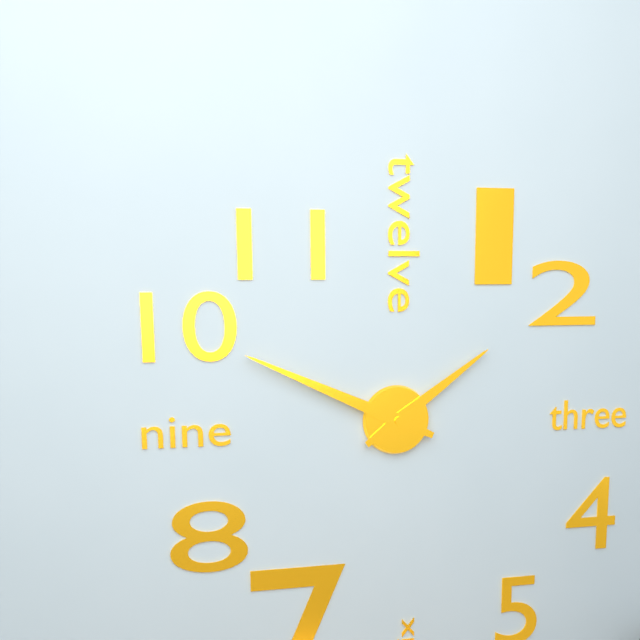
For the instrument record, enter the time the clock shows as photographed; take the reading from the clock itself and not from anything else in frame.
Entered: 1:49
